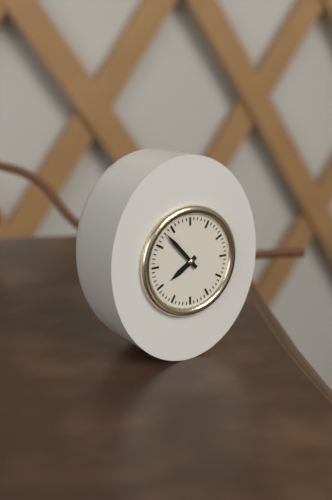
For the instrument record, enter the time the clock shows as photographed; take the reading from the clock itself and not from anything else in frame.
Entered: 7:53
